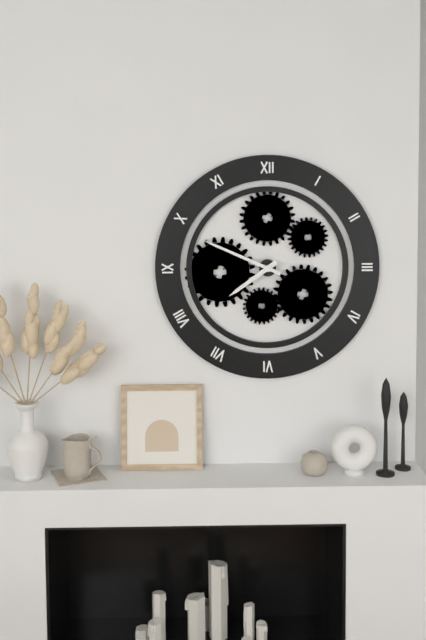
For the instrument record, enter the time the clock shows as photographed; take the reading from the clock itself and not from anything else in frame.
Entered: 7:49
